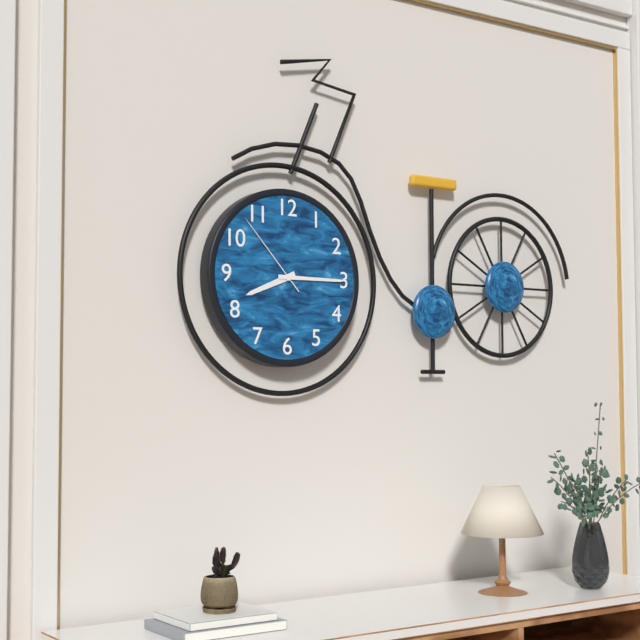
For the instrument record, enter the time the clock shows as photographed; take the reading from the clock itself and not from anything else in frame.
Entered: 8:15:53
